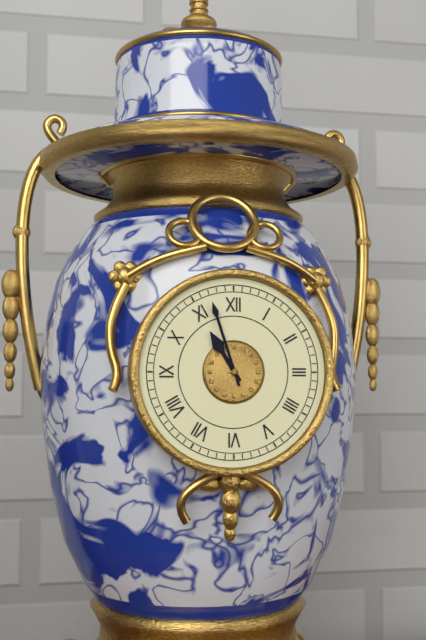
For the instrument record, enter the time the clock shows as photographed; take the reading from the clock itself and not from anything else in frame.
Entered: 10:57
